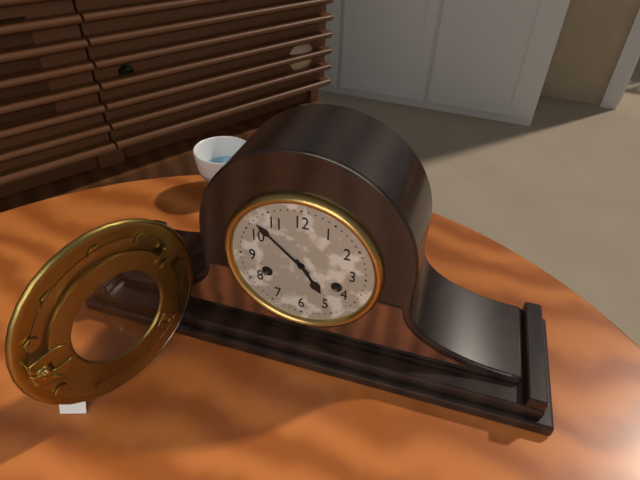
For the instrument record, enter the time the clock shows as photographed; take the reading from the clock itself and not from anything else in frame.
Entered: 4:52
